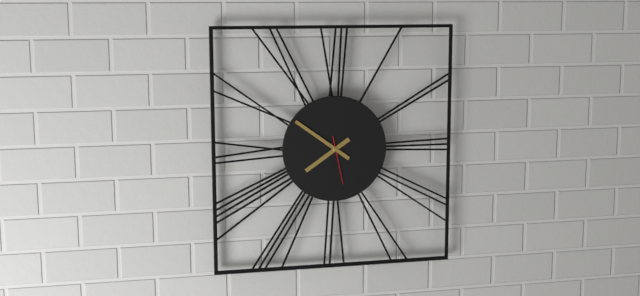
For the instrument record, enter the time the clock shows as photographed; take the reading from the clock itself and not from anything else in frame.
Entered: 7:51
